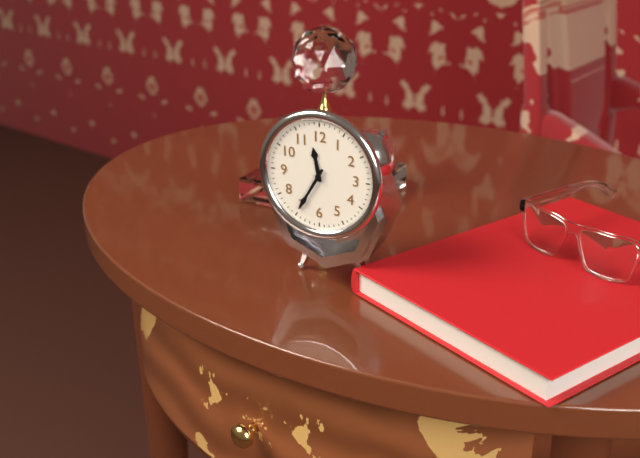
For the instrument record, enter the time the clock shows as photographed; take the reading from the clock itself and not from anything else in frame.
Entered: 11:35
